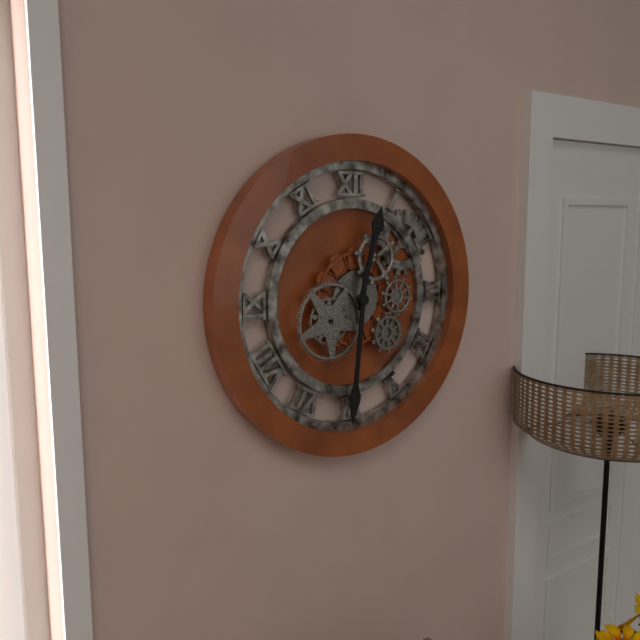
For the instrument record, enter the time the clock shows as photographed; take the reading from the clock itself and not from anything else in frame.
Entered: 12:31
